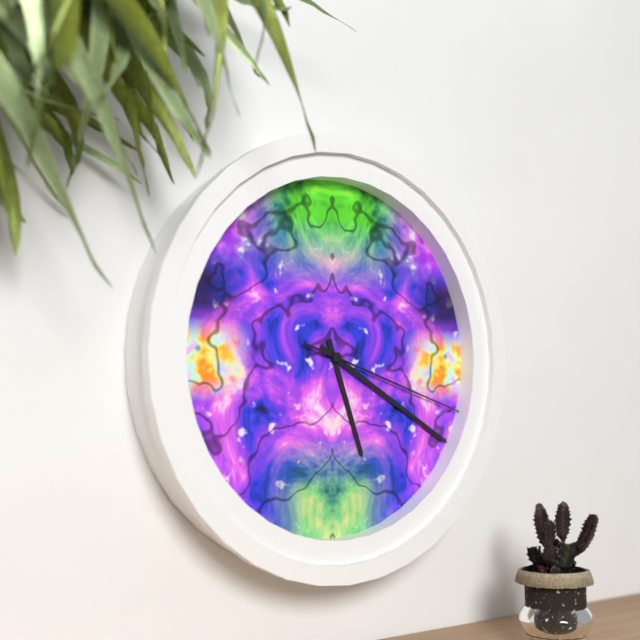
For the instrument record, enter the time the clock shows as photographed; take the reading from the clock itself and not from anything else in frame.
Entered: 5:20:18
